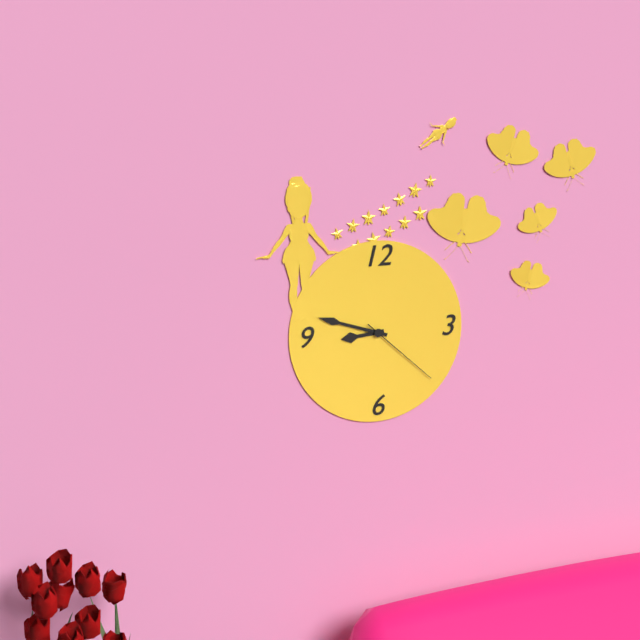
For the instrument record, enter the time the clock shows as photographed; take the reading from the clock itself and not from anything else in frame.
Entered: 8:48:22
